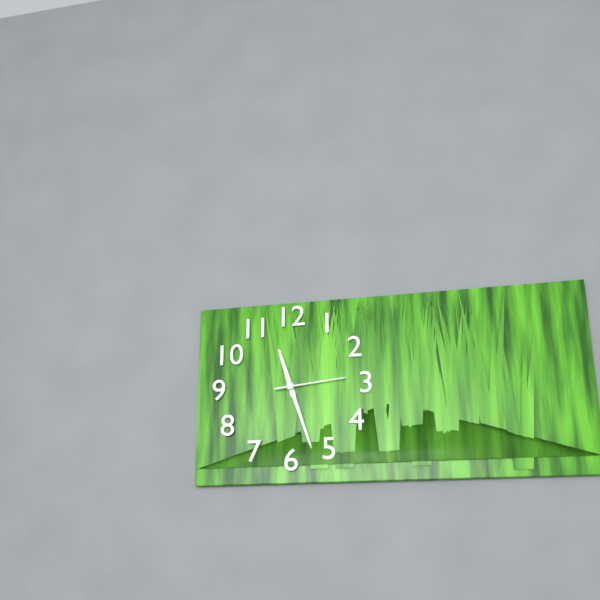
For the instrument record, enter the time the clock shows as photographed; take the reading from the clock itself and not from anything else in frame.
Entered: 11:27:14
